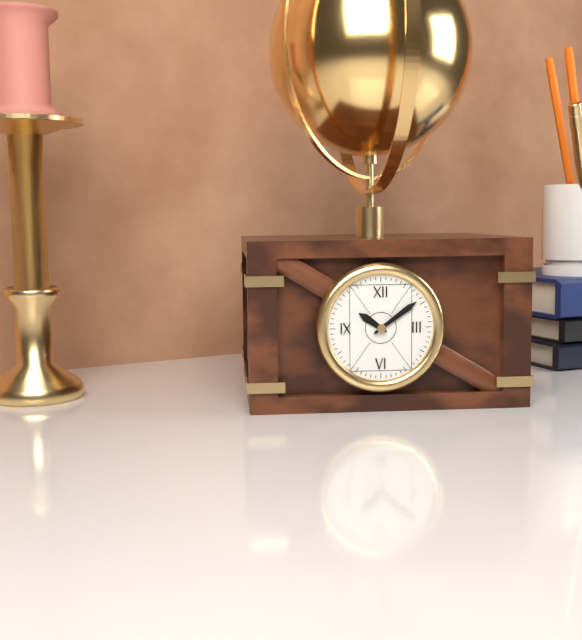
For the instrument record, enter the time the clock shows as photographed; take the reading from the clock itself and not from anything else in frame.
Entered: 10:09
